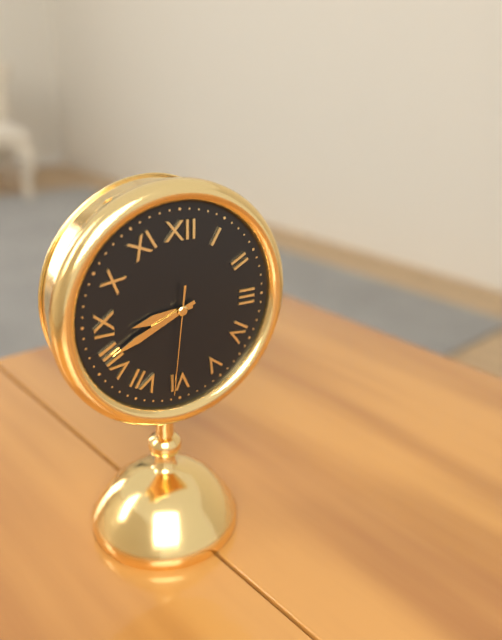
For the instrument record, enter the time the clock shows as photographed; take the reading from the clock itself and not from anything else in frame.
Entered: 8:41:31
